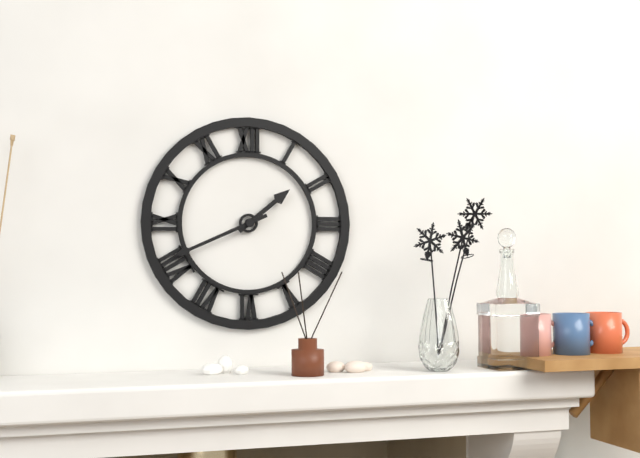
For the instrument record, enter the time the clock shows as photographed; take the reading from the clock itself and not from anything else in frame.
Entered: 1:41
